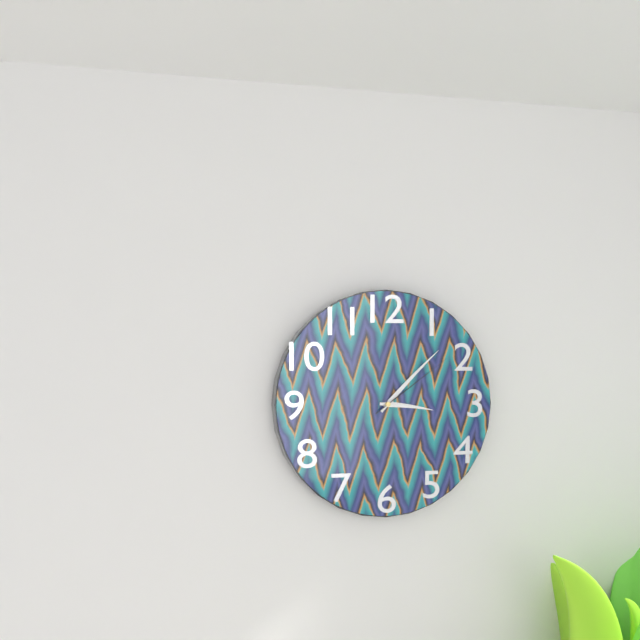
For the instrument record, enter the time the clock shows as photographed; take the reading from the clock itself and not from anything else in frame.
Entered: 3:07:09
